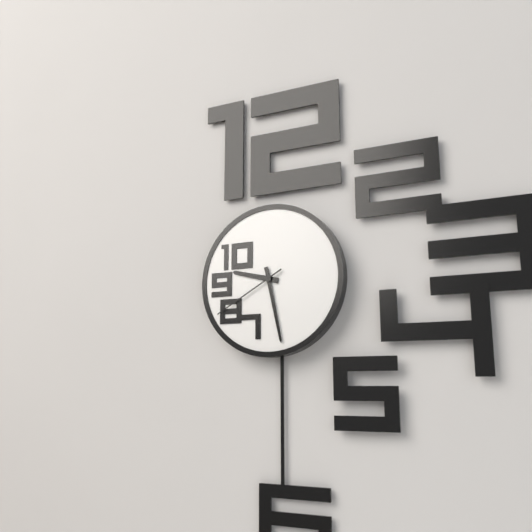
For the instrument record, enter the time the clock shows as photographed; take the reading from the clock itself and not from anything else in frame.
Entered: 9:28:40
